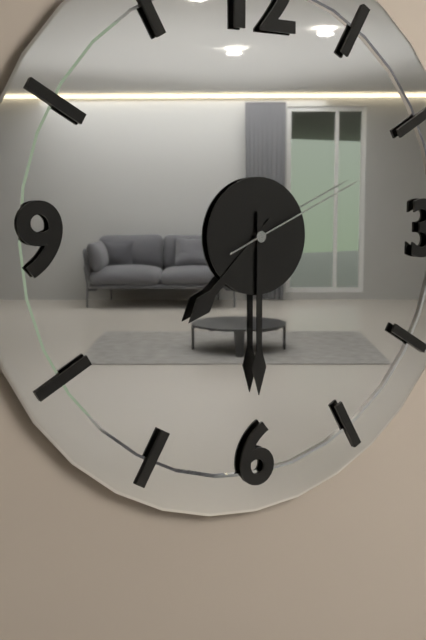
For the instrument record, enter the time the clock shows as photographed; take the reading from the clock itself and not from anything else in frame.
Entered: 7:30:11
